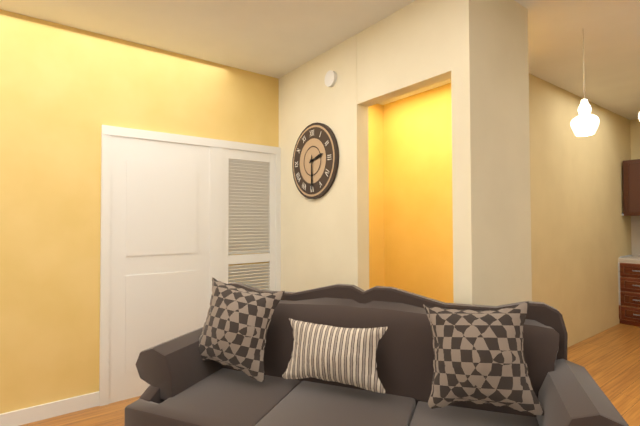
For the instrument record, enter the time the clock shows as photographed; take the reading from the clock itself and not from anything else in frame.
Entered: 2:30
